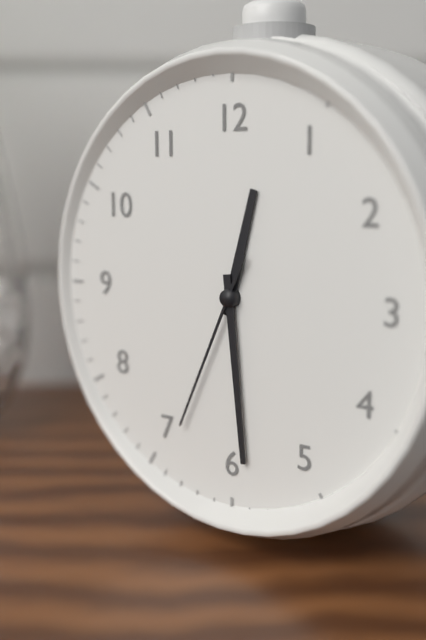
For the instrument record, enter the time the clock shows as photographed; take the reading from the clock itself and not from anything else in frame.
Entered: 12:29:34
